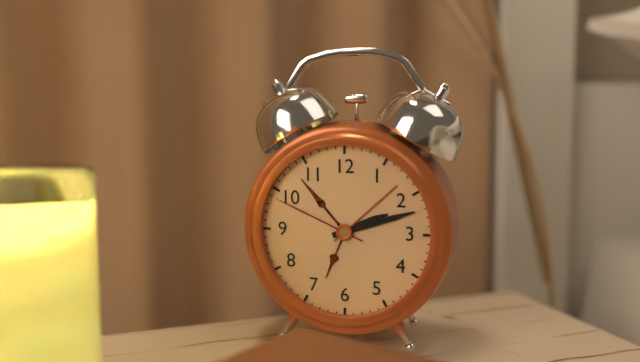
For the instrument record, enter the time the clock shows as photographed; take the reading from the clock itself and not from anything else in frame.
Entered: 2:12:49
